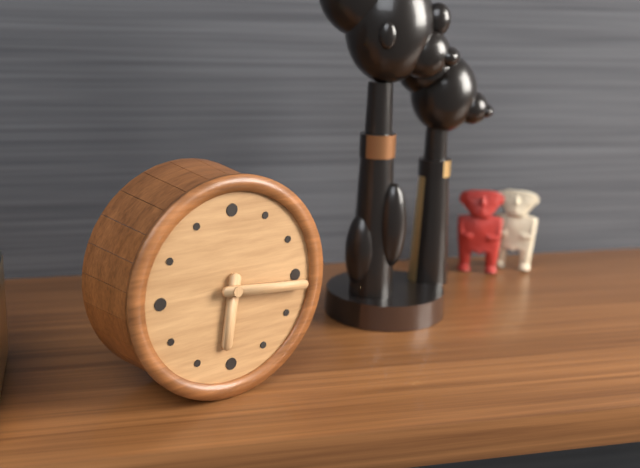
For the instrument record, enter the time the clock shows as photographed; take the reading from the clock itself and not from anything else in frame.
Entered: 6:16
